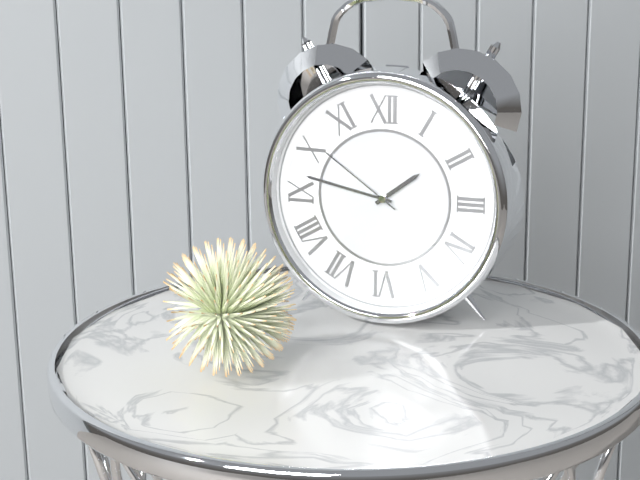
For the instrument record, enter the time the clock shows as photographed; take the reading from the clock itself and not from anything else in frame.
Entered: 1:47:51
